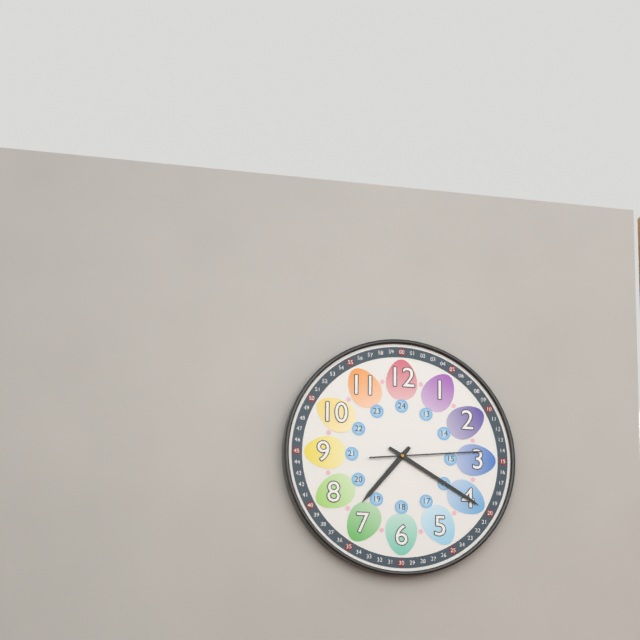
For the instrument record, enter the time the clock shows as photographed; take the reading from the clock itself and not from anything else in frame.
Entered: 7:20:14
